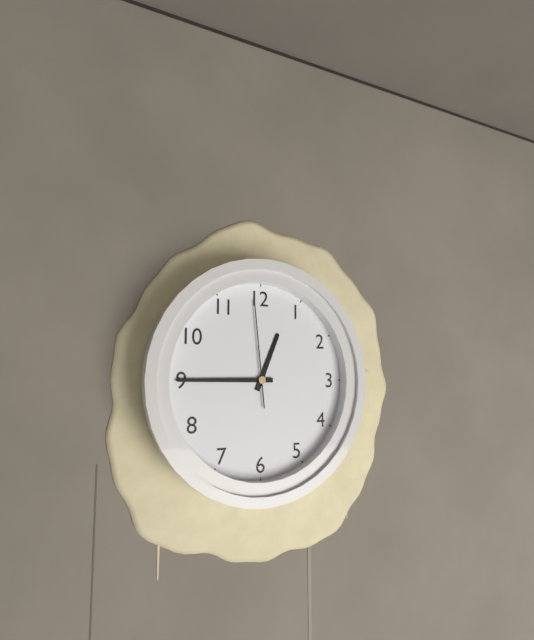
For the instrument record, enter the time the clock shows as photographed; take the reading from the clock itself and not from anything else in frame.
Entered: 12:45:59
